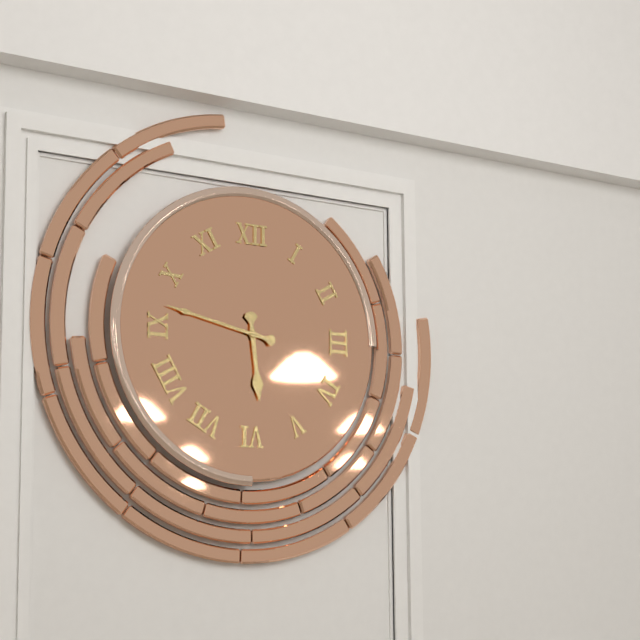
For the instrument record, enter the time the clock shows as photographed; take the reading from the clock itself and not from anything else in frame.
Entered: 5:47
